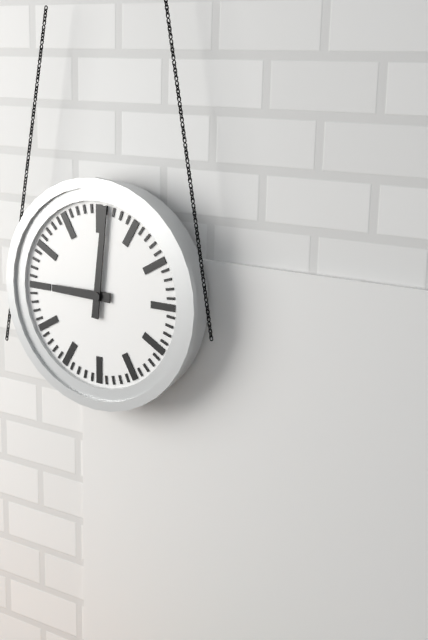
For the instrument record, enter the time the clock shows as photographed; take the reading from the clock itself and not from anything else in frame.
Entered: 9:01
